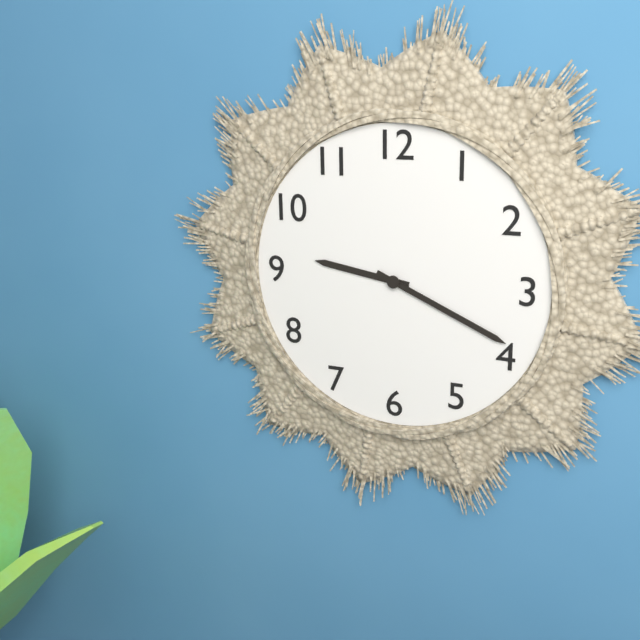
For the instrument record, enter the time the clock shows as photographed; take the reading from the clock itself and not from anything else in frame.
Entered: 9:19
